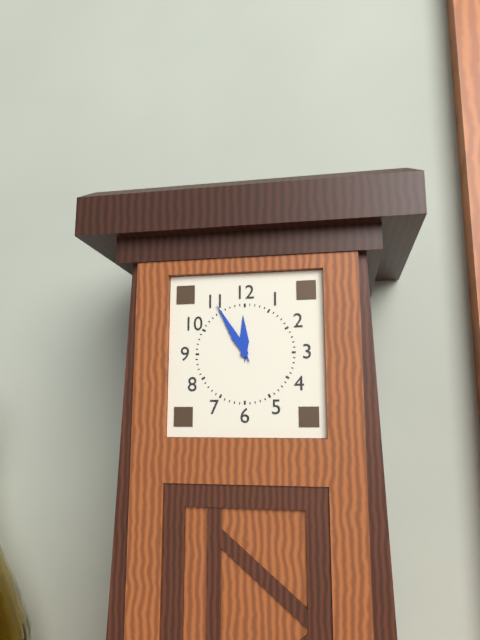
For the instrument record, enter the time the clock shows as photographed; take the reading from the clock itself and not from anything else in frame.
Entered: 11:55
